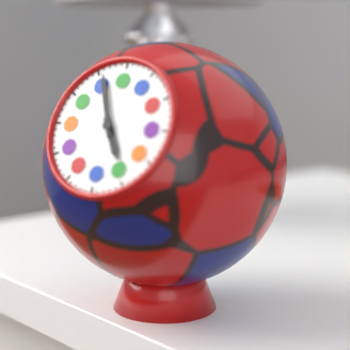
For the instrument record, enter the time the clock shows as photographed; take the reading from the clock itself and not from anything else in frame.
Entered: 4:56
